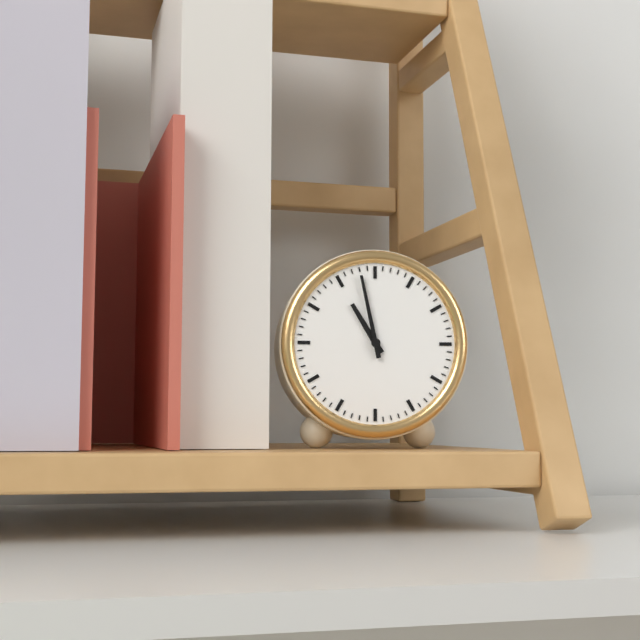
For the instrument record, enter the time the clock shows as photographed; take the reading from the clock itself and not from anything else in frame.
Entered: 10:58
